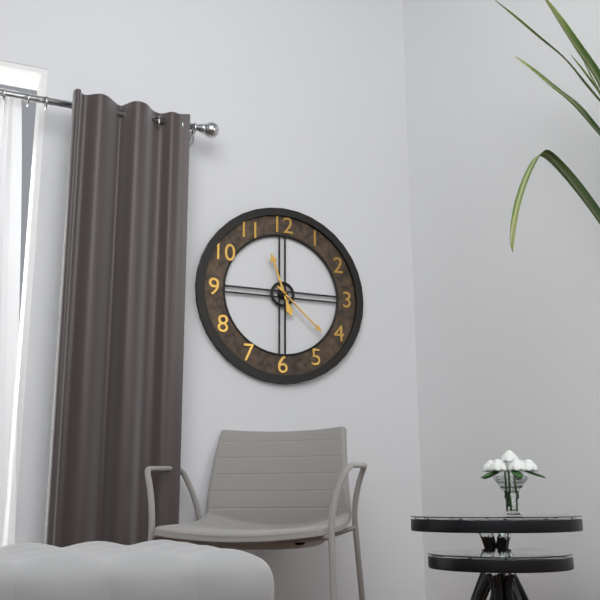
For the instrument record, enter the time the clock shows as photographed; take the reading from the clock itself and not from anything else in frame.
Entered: 11:22
